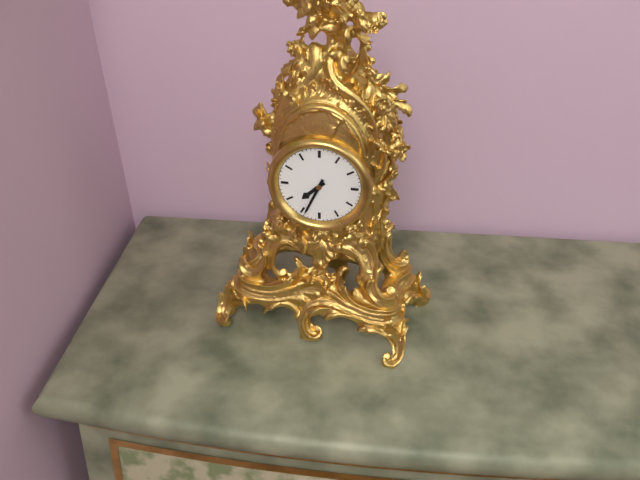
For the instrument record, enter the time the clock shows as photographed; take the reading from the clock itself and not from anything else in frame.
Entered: 7:34
